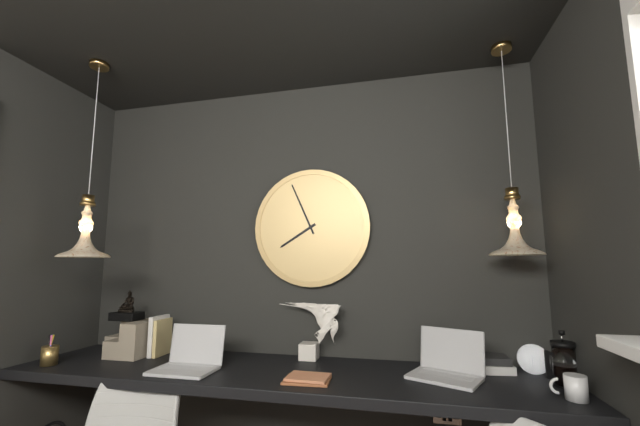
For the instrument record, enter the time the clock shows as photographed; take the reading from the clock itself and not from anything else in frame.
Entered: 7:56
